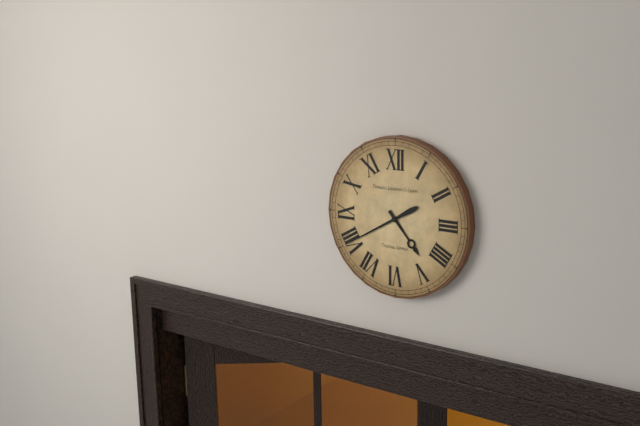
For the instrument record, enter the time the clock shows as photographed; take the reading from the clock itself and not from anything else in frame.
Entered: 4:40
